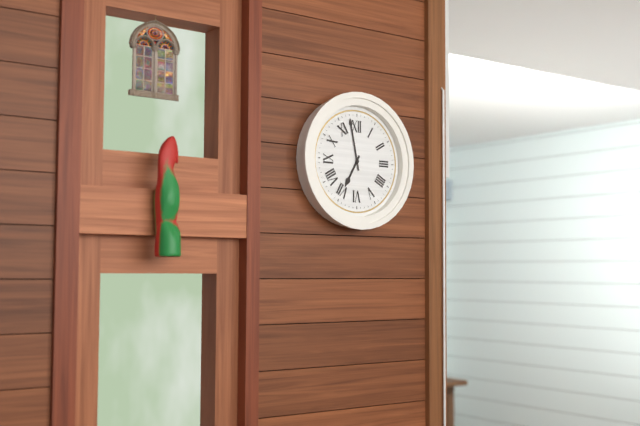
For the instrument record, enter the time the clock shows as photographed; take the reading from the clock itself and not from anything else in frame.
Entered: 6:58
